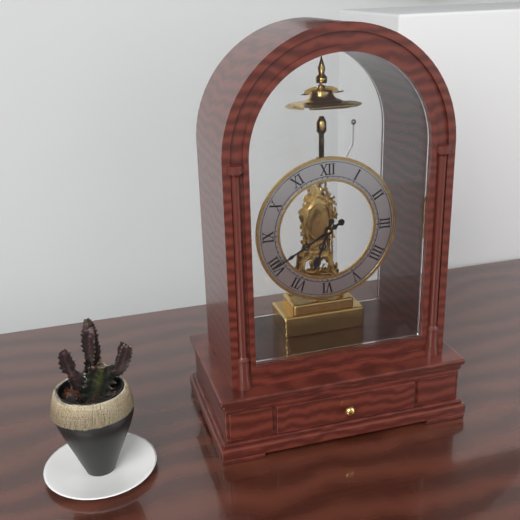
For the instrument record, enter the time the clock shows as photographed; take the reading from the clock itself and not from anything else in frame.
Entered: 6:40
